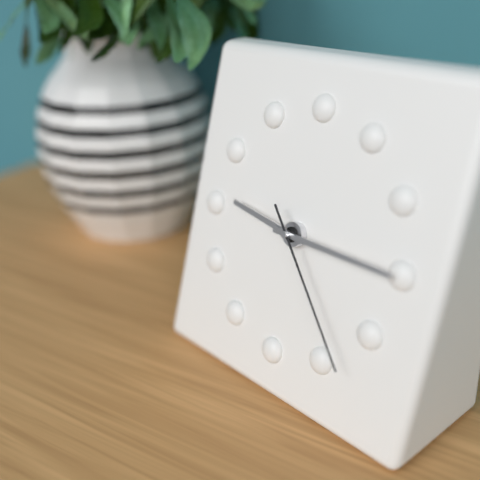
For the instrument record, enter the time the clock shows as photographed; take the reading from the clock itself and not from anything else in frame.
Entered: 9:15:23
